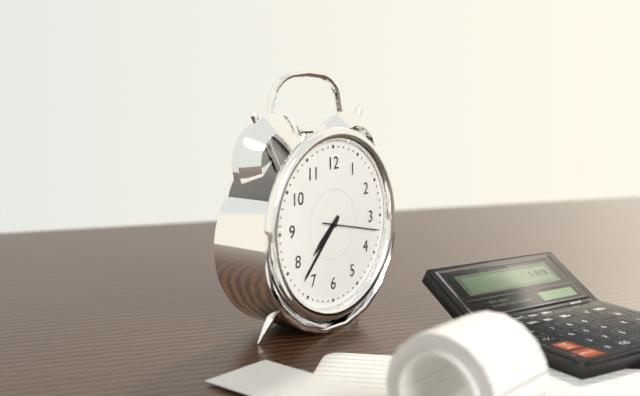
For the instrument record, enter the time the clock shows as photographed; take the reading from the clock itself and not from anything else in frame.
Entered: 7:37:17
